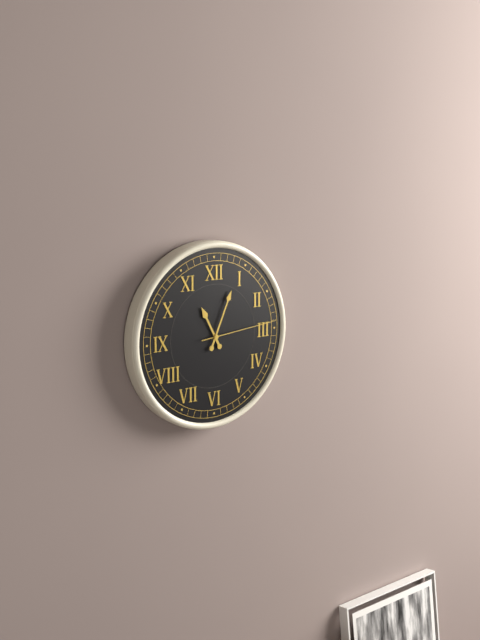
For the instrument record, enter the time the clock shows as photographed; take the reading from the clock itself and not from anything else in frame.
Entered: 11:04:14
